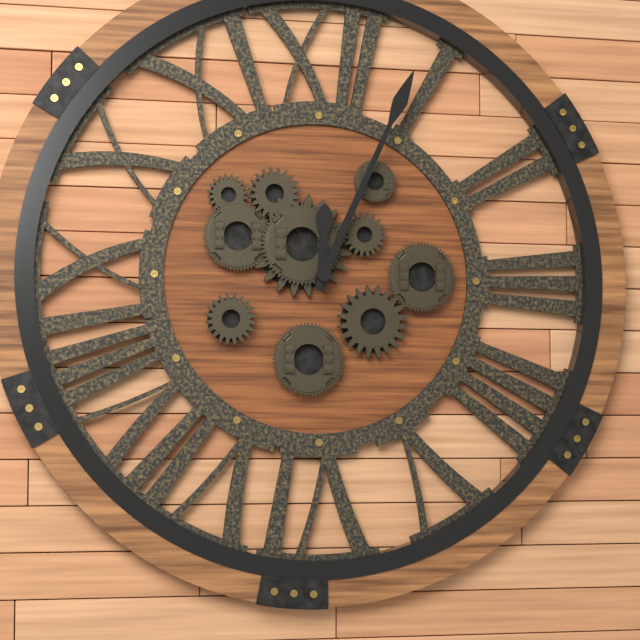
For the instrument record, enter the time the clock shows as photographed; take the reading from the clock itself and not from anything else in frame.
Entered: 12:04
